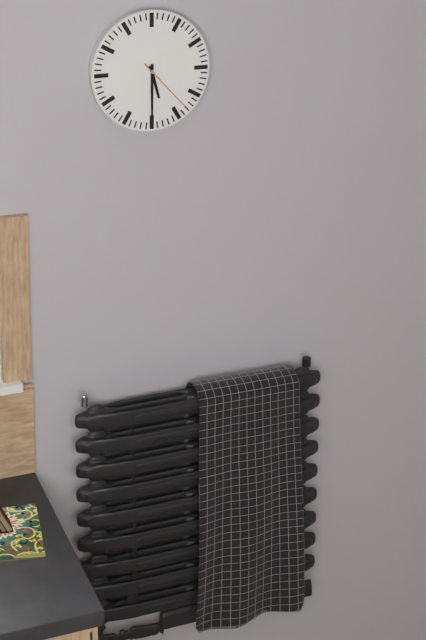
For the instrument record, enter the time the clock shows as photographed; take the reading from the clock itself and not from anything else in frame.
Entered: 5:30:23
